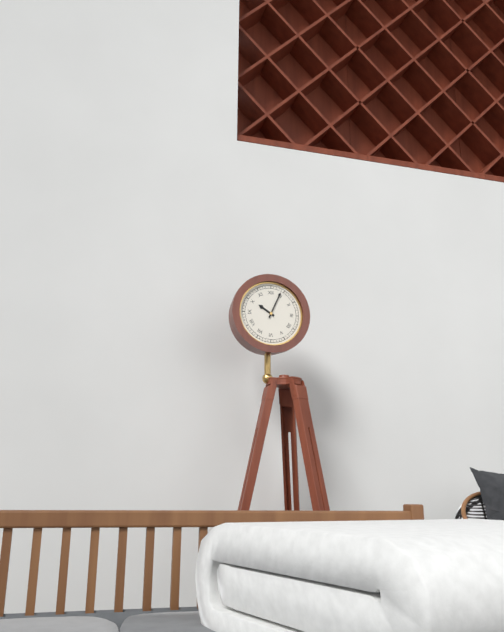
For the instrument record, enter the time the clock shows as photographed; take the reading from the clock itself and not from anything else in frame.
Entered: 10:04
